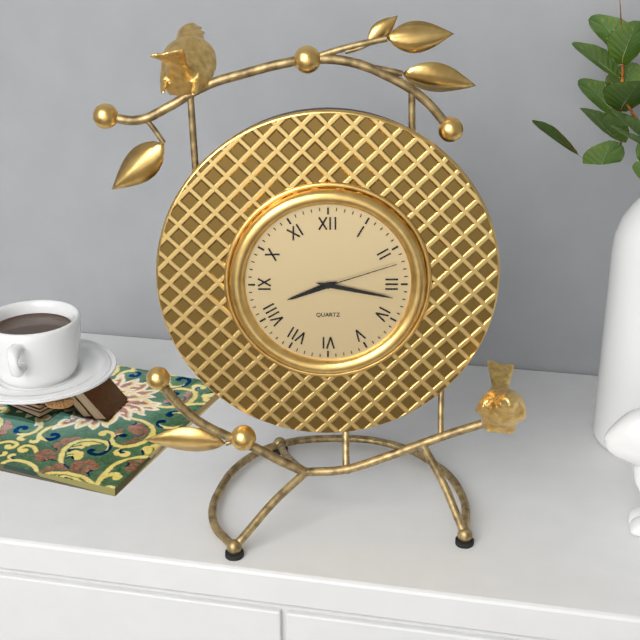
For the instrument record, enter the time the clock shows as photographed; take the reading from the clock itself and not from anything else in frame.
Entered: 8:17:12
